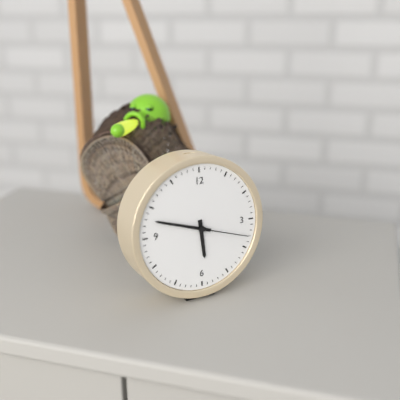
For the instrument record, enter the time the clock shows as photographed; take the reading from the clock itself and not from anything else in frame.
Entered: 5:48:18
